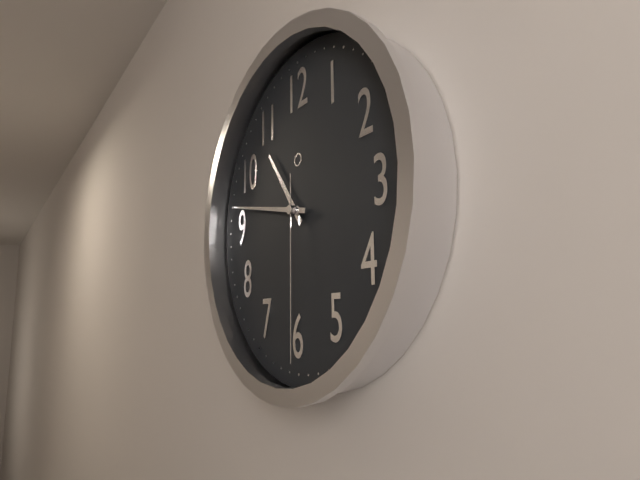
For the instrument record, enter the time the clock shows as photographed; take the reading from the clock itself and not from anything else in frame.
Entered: 10:47:30
